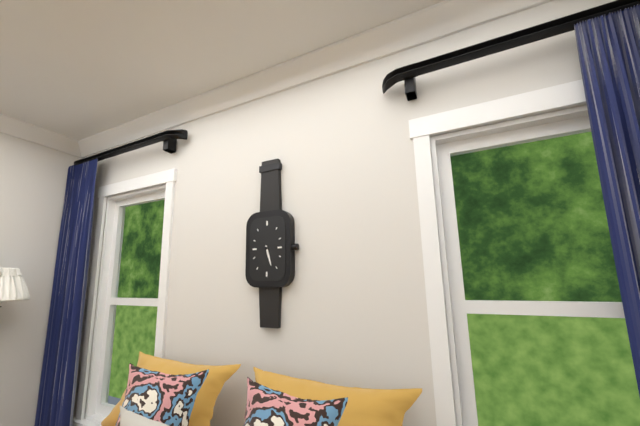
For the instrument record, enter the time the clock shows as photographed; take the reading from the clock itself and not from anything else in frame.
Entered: 5:27
